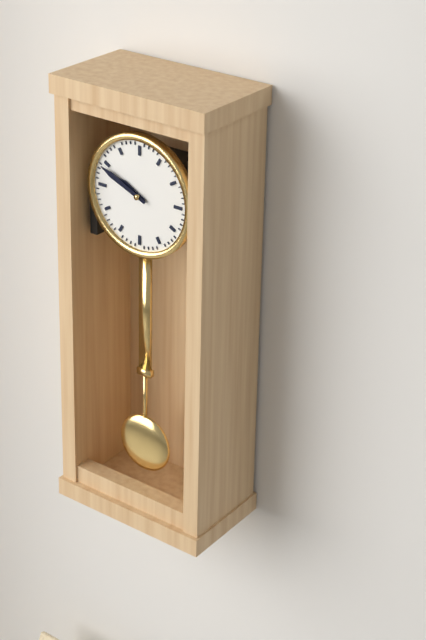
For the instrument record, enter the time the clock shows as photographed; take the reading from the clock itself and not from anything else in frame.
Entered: 9:49
